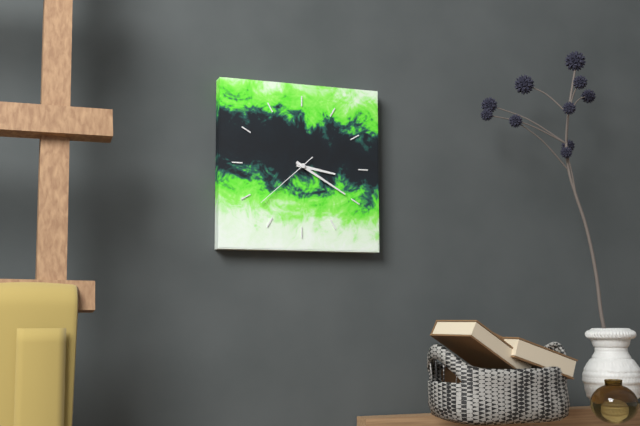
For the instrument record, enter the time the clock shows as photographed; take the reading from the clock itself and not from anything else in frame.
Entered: 3:20:38
